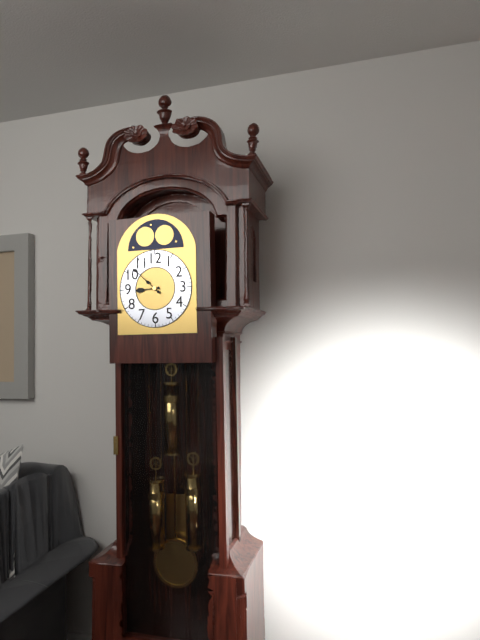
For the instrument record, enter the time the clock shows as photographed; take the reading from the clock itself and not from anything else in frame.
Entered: 8:52
